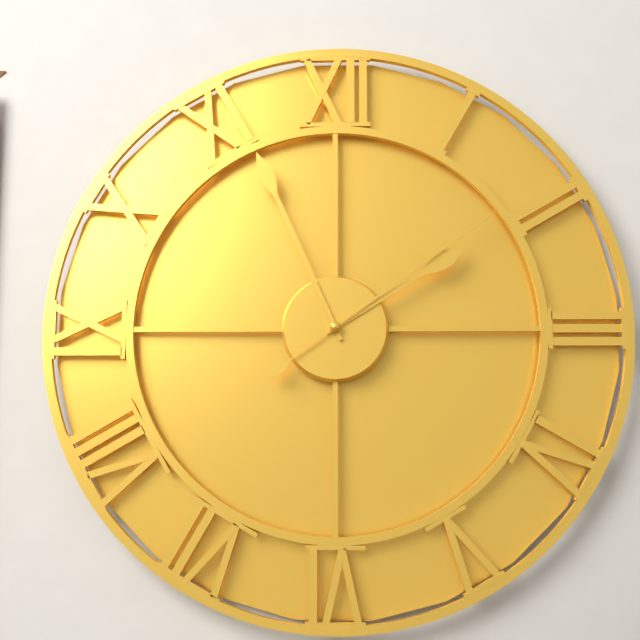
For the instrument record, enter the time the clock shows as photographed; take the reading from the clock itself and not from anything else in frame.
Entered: 1:56:09
